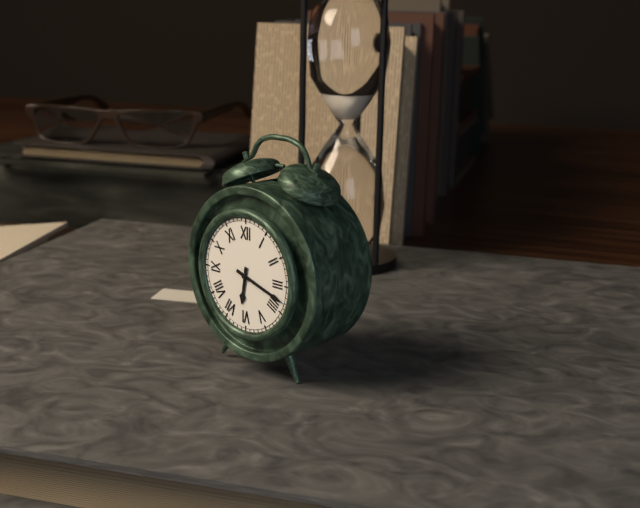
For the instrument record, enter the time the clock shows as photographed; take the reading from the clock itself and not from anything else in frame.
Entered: 6:18
